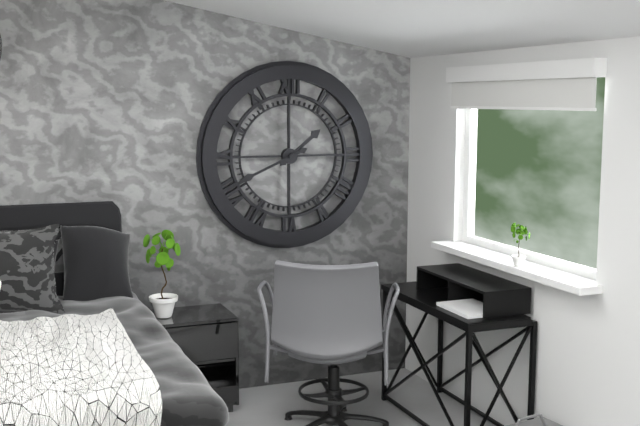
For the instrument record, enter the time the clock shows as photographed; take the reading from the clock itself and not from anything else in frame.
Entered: 1:41
